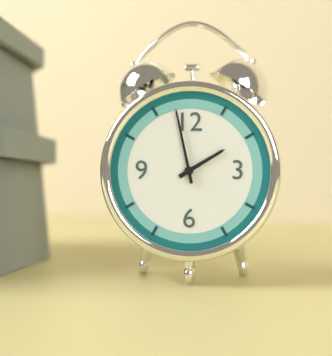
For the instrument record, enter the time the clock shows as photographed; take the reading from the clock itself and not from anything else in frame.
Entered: 1:58
